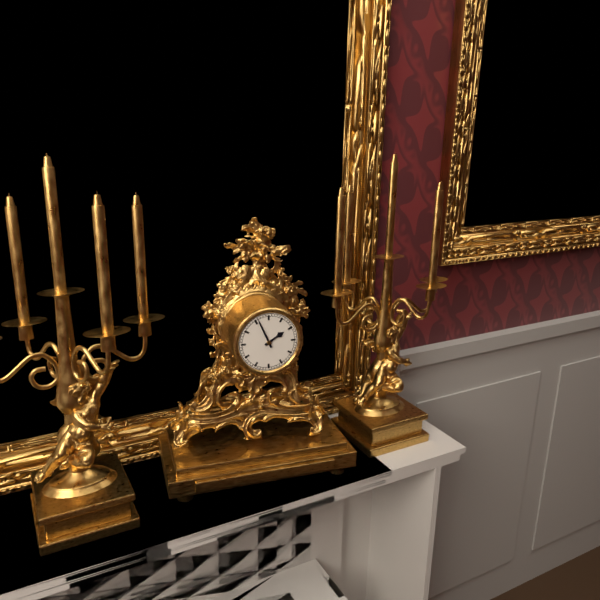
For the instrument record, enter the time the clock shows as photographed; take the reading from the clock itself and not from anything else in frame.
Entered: 1:56
